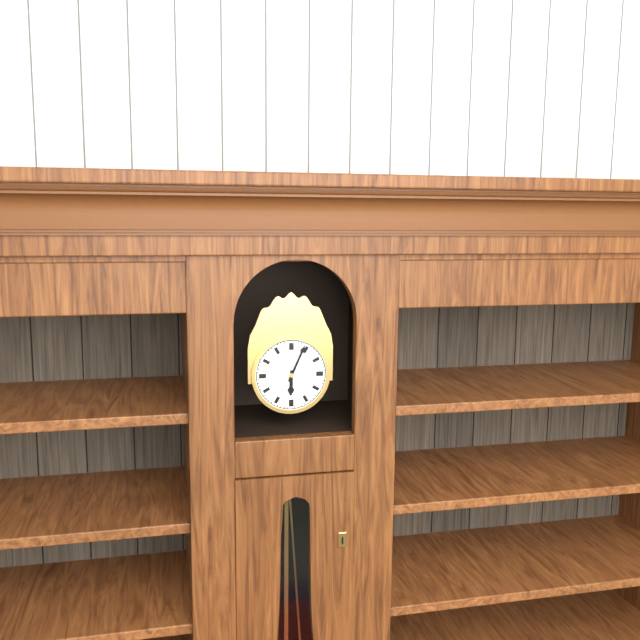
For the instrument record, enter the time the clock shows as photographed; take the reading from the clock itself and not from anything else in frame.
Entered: 6:04
